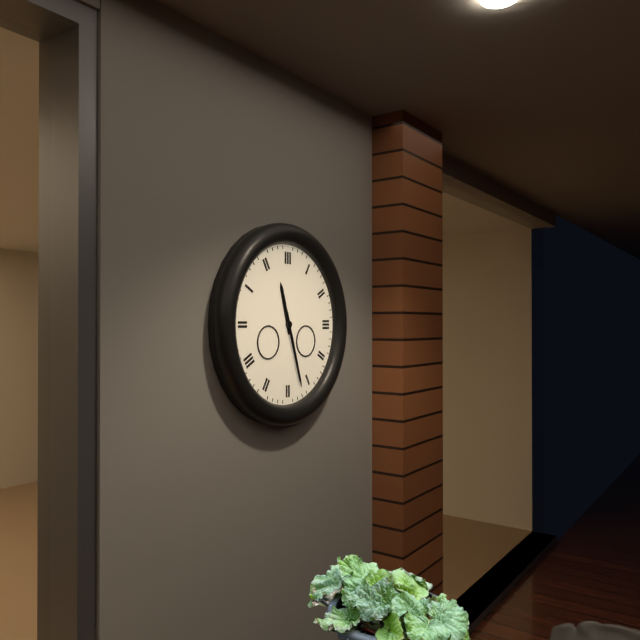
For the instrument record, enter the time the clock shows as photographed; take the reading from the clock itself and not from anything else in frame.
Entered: 11:27
